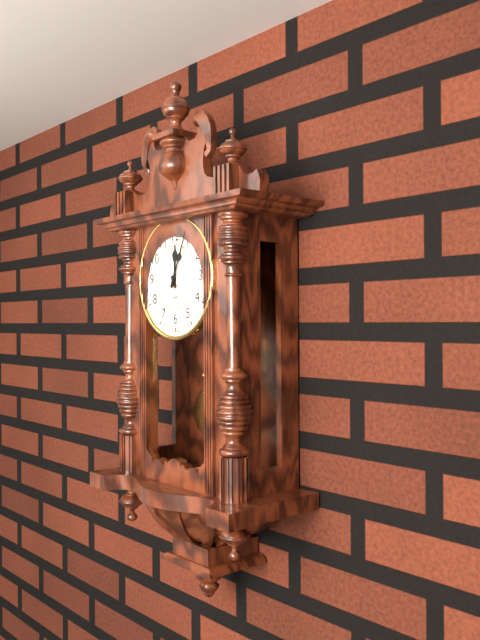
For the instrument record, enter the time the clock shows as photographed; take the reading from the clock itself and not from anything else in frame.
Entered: 12:04
